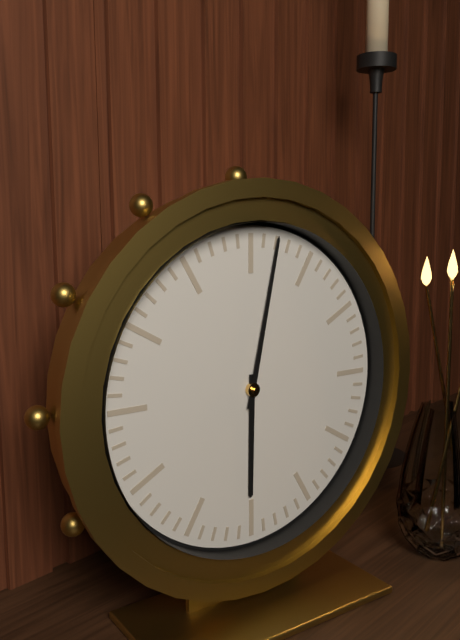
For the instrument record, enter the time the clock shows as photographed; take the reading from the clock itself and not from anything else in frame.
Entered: 6:02
